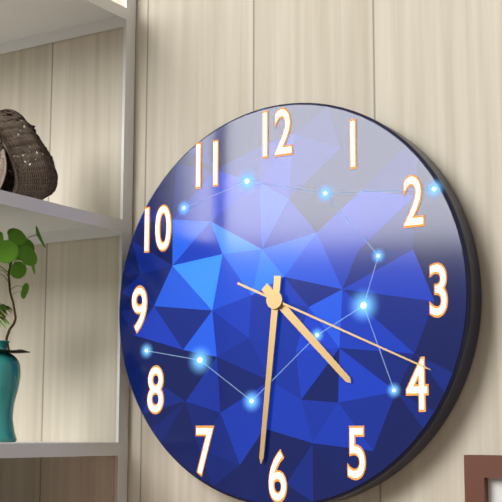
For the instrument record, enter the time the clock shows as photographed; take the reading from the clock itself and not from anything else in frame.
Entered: 4:31:19
